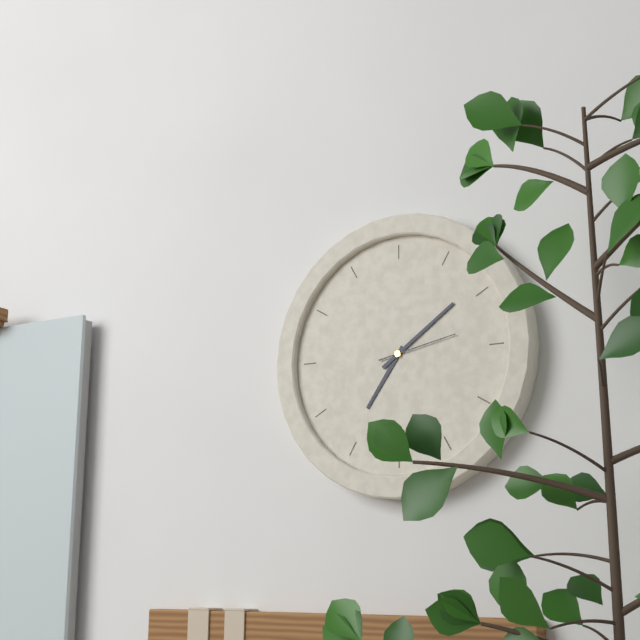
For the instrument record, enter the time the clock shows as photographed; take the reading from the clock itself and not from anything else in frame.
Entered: 7:09:13
